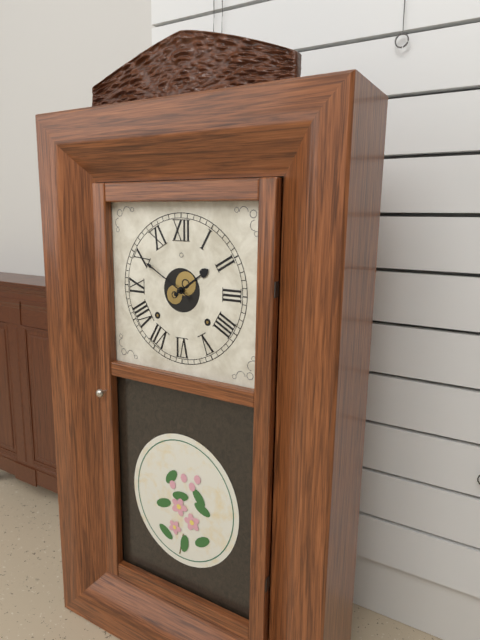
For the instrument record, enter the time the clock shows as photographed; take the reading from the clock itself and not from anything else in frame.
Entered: 1:50
